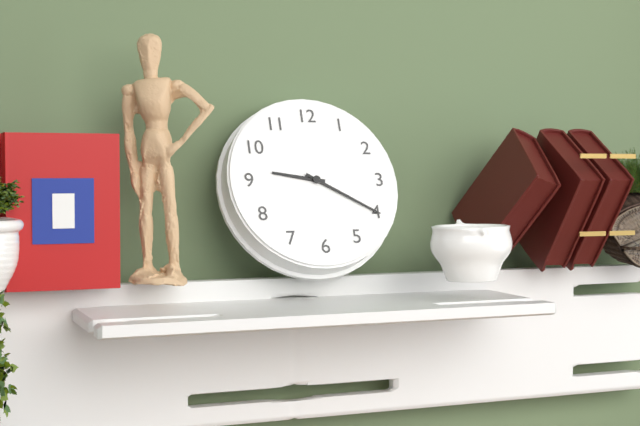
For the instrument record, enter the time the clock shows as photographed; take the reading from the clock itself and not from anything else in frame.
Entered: 9:20
